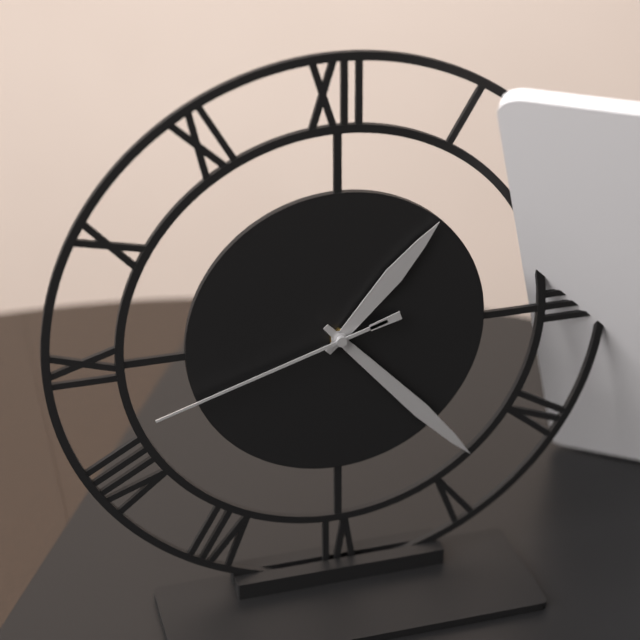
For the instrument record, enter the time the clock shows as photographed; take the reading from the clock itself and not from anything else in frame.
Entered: 1:23:42
